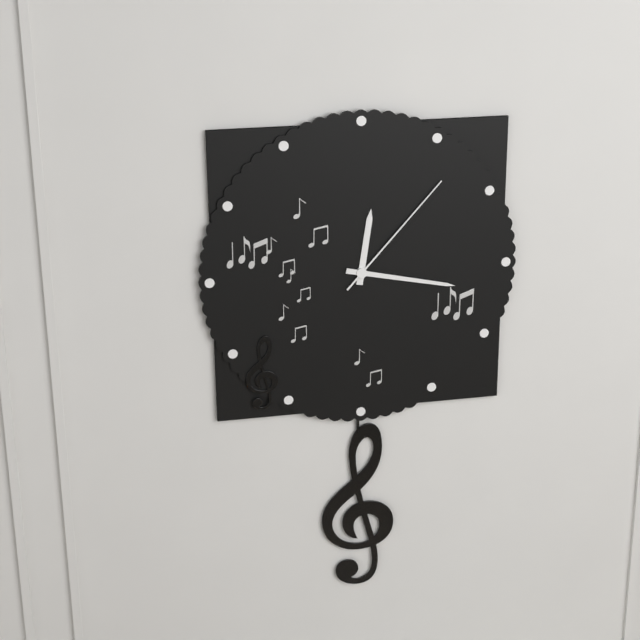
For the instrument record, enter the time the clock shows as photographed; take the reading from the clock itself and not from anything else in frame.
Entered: 12:17:07
